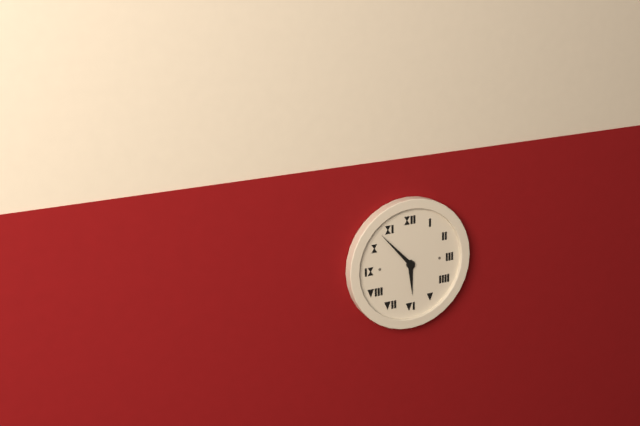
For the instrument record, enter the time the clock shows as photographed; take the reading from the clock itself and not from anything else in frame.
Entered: 5:53
